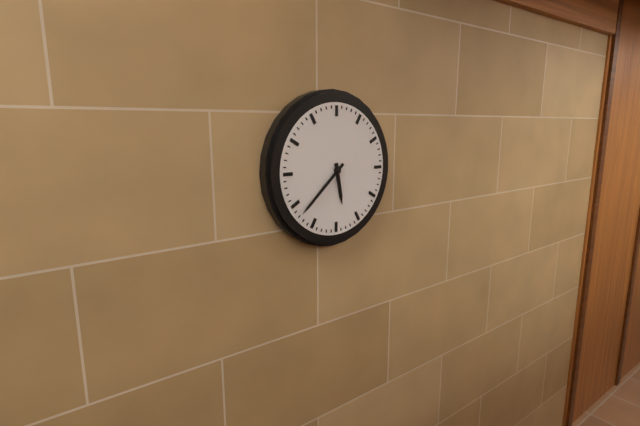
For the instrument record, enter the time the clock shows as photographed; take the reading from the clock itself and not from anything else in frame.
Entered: 5:38
